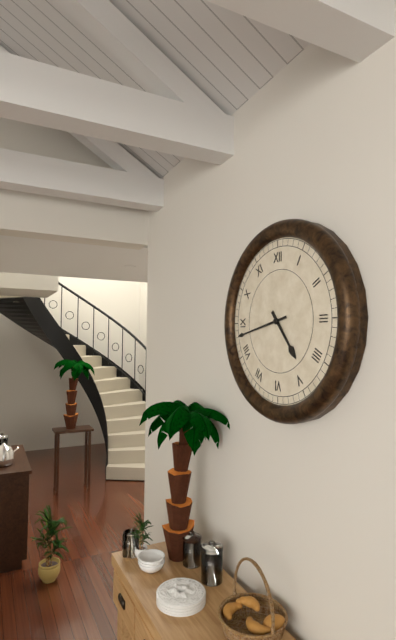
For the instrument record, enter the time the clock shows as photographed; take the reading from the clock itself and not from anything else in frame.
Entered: 4:43
